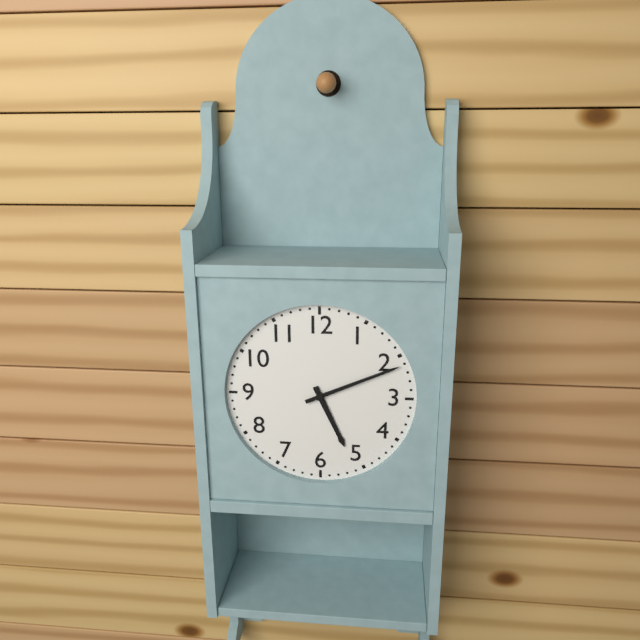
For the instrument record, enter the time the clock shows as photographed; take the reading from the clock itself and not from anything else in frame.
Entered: 5:11
